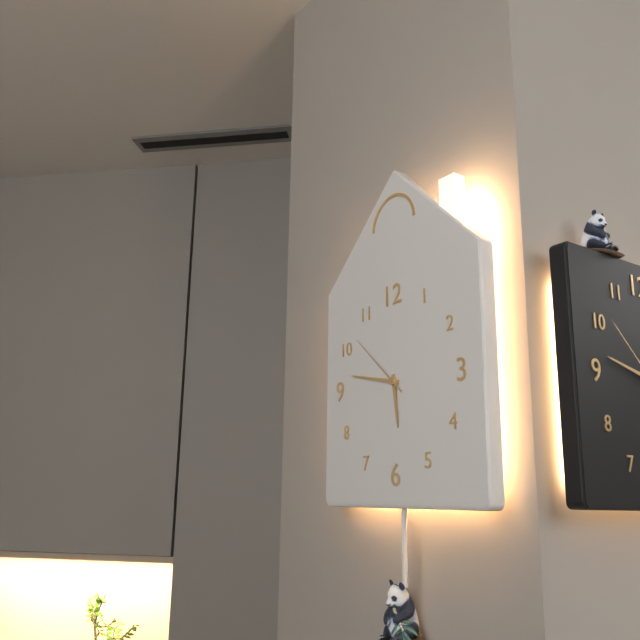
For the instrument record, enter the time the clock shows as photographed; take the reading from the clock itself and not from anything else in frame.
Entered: 5:47:52
